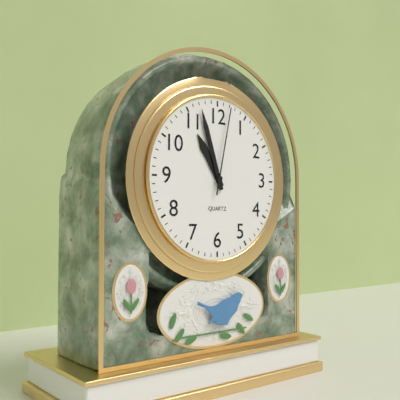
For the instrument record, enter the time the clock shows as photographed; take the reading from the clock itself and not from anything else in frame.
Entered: 10:57:02
